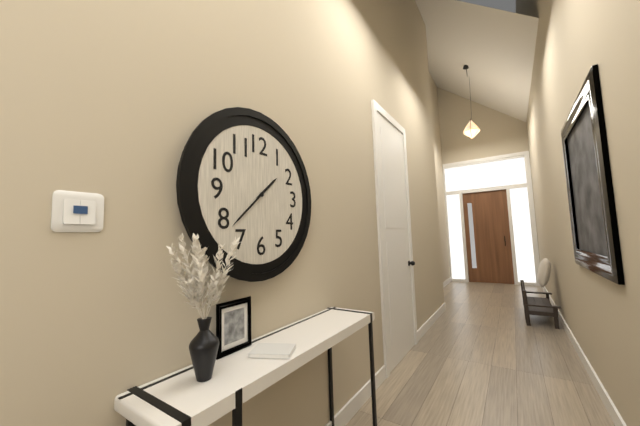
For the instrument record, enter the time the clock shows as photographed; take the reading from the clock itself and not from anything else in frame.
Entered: 1:38
